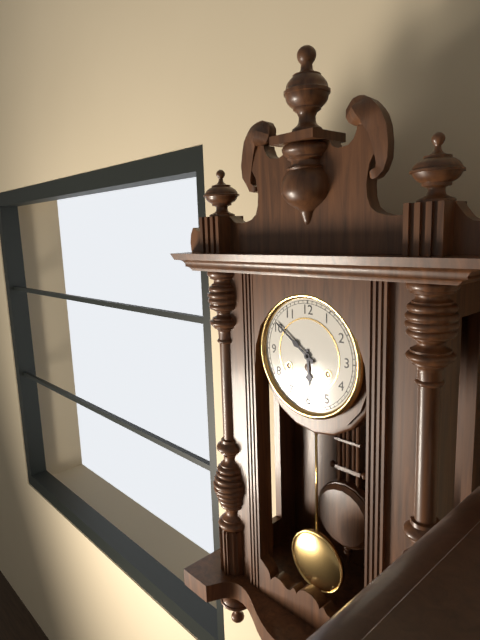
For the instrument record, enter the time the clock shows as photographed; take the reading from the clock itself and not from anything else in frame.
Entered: 5:51
